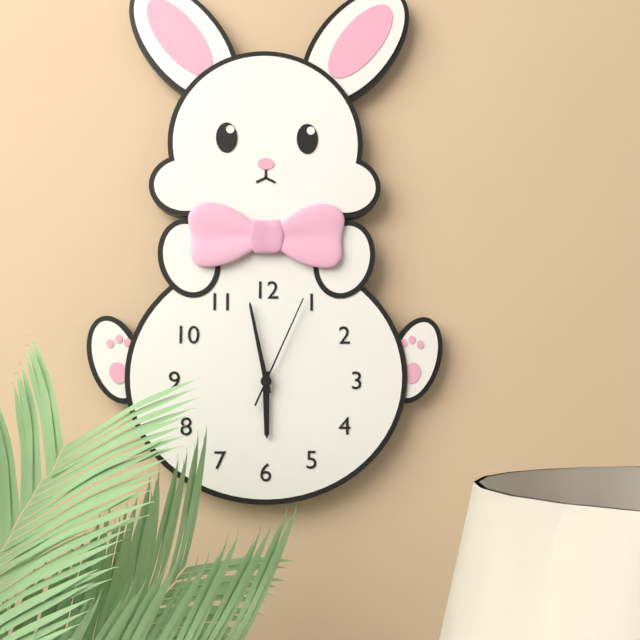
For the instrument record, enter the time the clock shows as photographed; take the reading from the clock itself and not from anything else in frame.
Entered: 5:58:04
